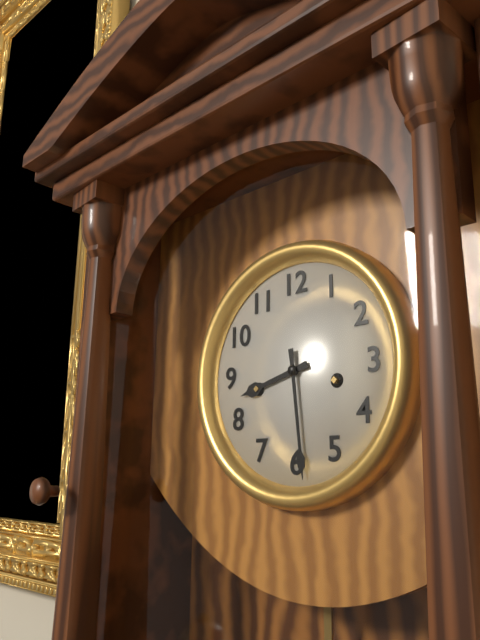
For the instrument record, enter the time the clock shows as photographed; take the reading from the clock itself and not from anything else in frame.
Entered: 8:29
